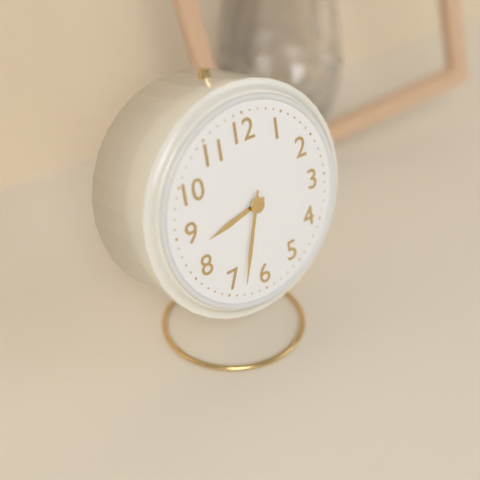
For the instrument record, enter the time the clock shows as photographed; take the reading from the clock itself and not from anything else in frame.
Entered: 8:33
